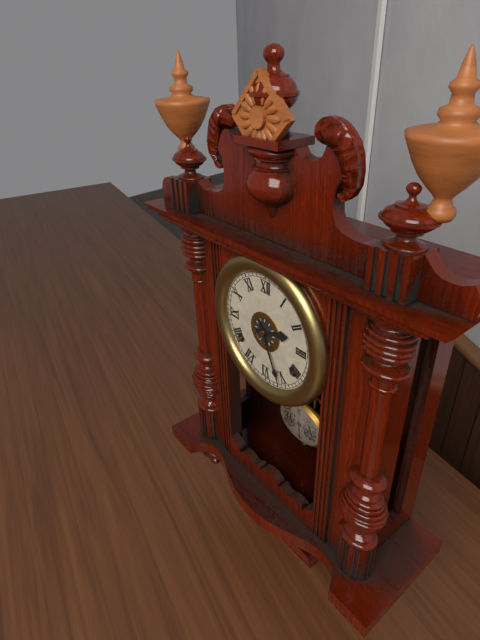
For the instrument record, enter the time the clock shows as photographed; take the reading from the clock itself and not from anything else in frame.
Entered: 2:26
